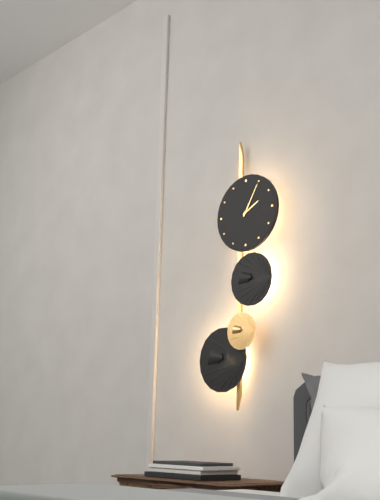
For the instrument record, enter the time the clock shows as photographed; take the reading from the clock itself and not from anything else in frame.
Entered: 2:05
